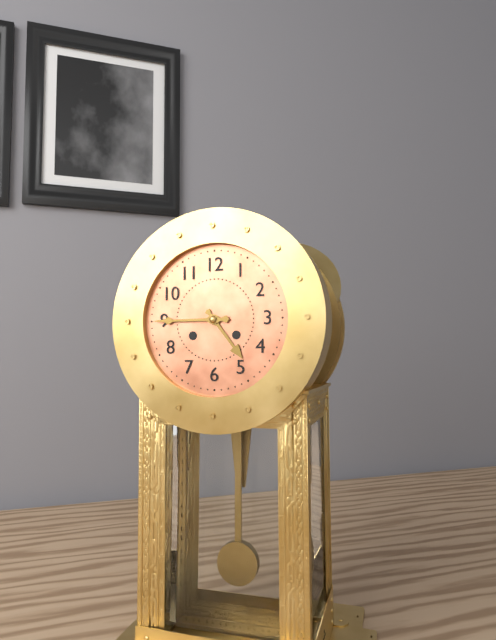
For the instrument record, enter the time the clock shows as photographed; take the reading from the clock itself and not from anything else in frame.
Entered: 4:45
